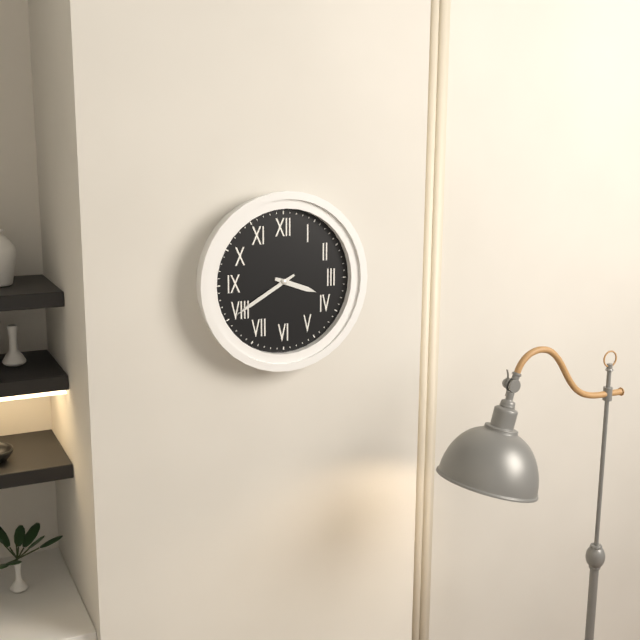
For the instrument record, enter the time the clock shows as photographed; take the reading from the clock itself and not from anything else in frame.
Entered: 3:40
